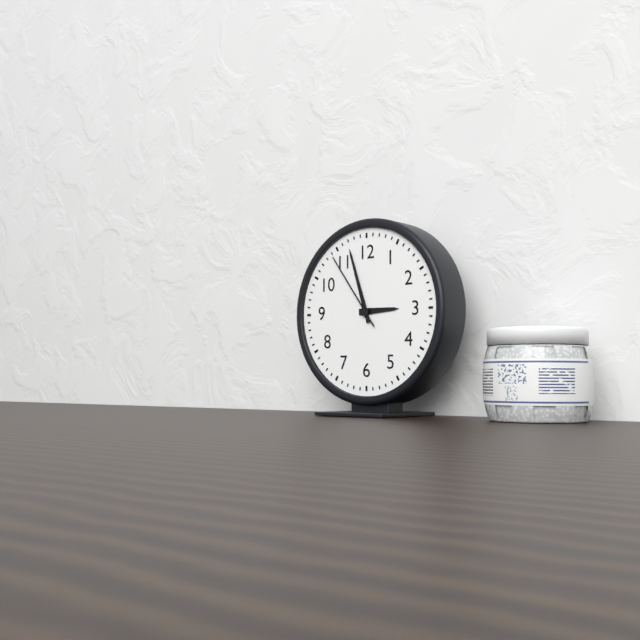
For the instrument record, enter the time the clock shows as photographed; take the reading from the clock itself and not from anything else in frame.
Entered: 2:57:54
